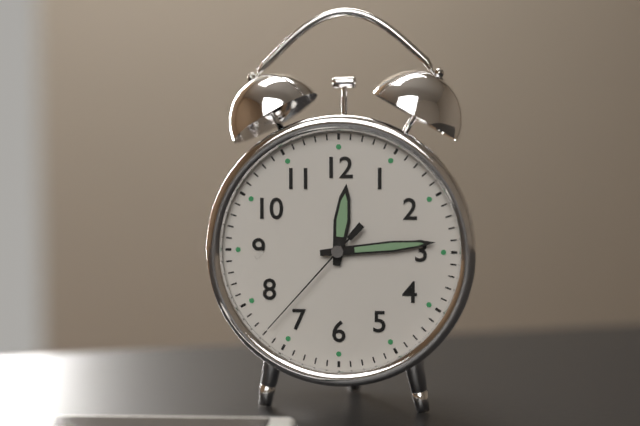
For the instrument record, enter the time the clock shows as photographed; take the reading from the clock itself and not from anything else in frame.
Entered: 12:14:37
